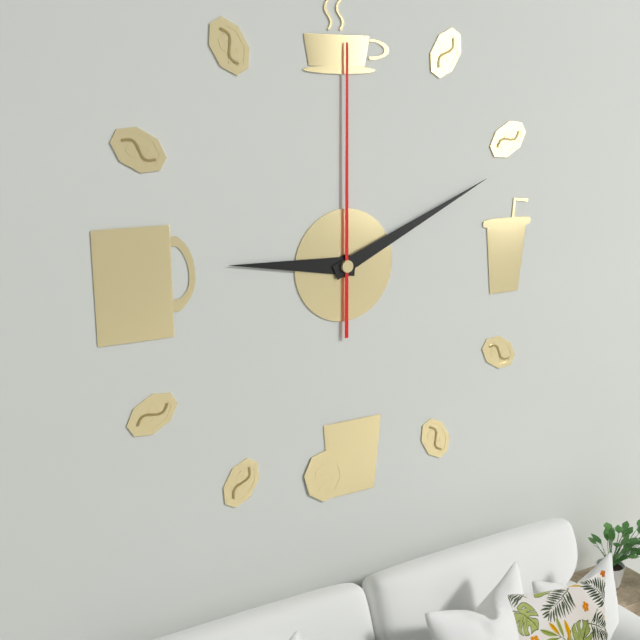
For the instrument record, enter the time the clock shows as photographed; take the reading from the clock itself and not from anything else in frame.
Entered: 9:11:00
